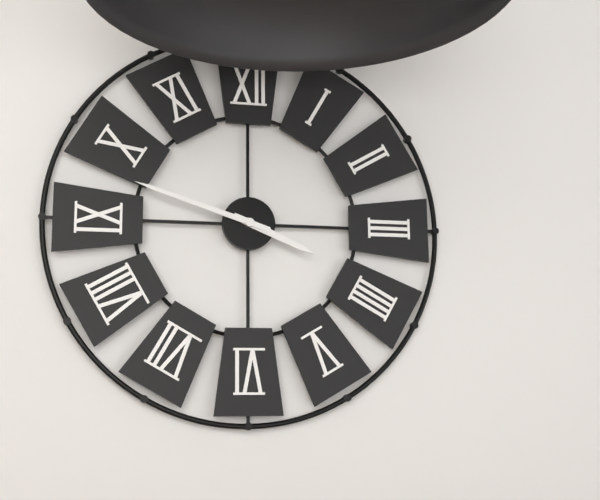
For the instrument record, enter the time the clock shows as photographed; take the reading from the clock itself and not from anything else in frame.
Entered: 3:48
